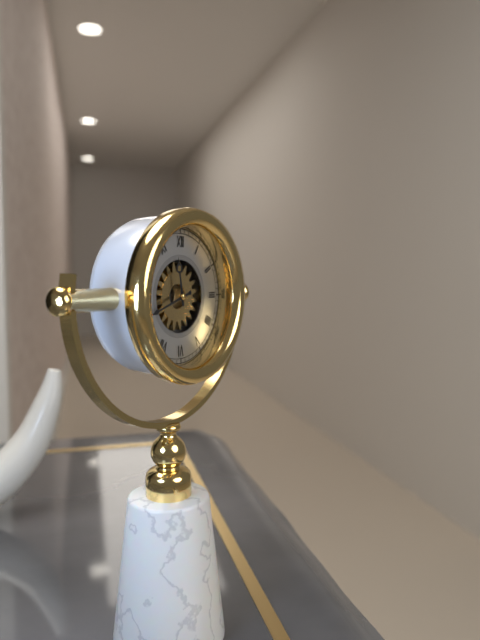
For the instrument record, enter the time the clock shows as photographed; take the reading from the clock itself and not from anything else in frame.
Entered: 11:42
